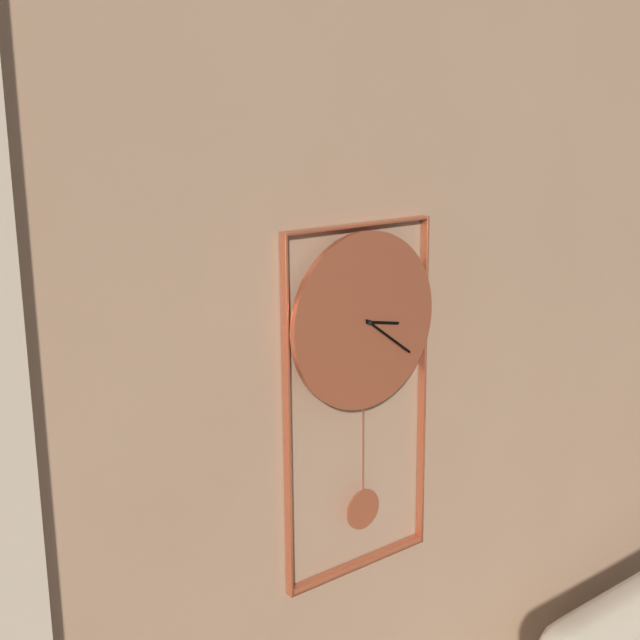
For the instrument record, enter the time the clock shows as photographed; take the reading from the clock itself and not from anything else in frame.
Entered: 3:21
